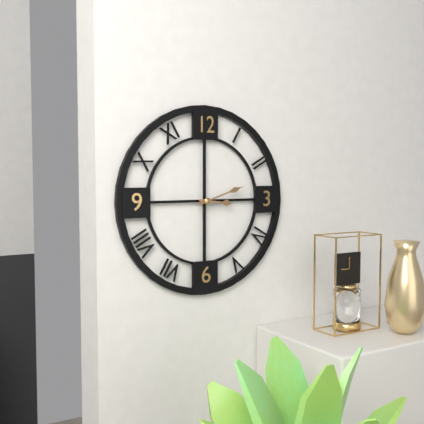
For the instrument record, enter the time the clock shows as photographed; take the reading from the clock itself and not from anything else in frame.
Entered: 3:12
